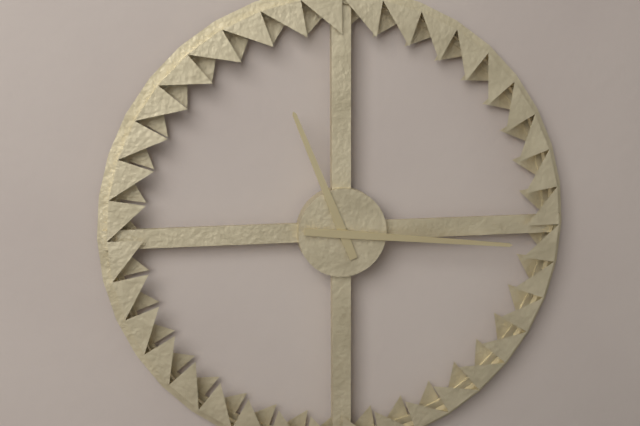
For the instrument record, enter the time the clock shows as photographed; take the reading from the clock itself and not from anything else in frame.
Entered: 11:16
